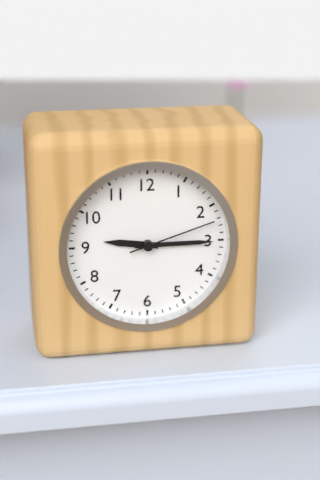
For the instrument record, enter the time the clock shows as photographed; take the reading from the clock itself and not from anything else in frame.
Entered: 9:15:12
